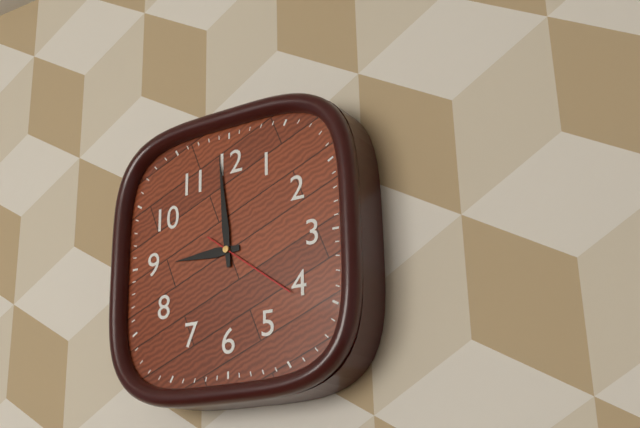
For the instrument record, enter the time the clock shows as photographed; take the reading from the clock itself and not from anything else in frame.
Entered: 8:59:21
